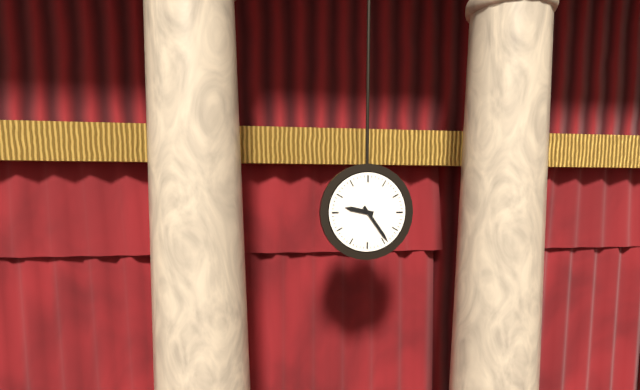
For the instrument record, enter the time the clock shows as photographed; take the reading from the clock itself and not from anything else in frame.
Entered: 9:24
